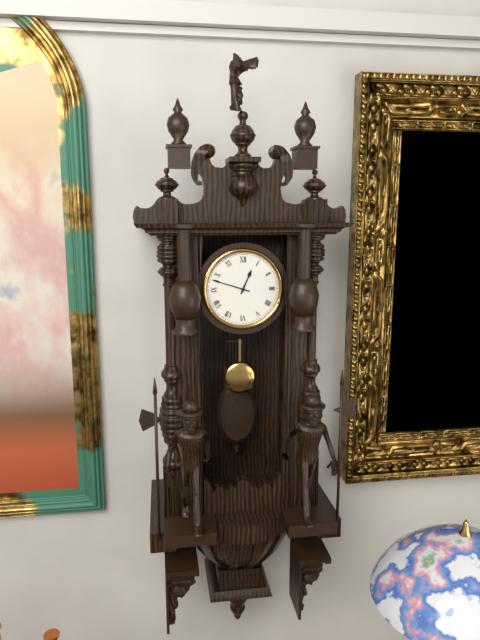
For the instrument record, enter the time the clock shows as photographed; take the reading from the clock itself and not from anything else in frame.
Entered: 12:48
